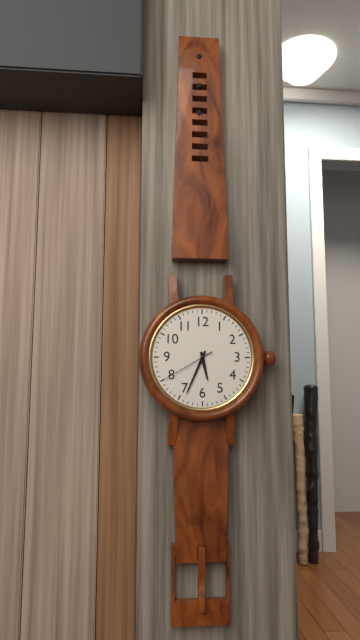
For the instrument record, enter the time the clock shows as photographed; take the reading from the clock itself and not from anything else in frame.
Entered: 5:34:40
